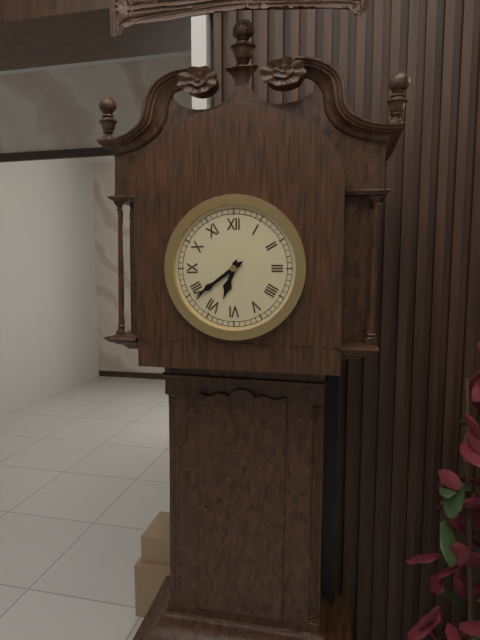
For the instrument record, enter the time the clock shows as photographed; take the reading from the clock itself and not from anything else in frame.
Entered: 6:39
